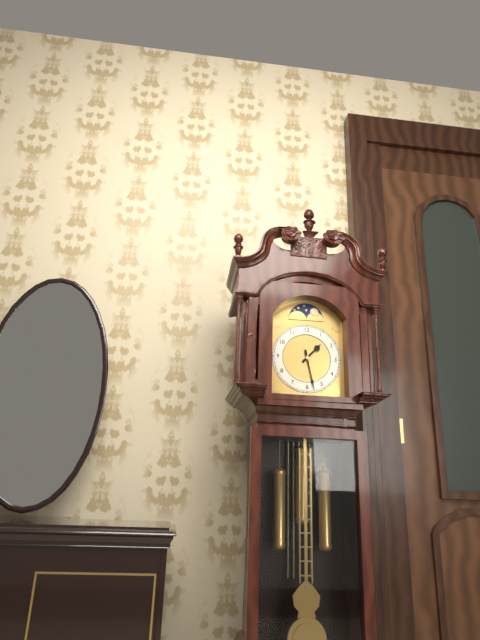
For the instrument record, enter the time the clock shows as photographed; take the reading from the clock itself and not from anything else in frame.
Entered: 1:28
